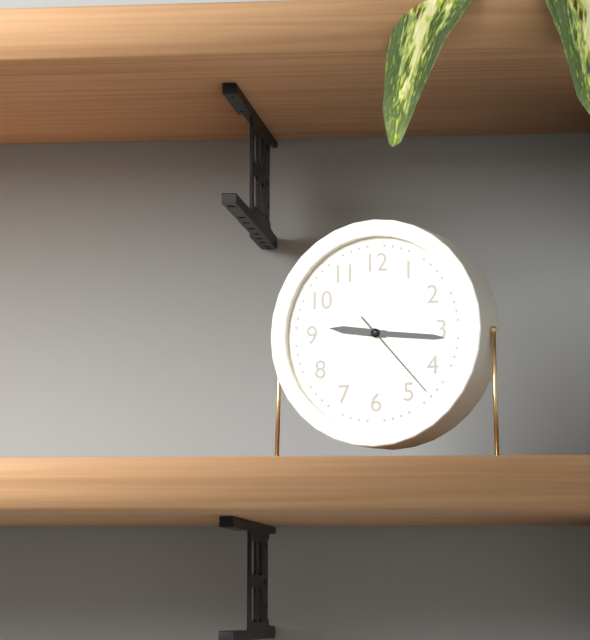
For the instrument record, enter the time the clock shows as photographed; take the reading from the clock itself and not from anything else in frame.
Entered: 9:16:23
